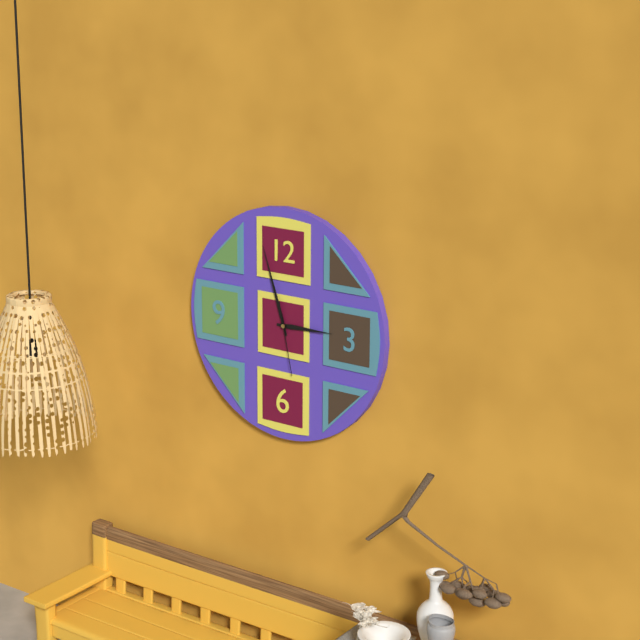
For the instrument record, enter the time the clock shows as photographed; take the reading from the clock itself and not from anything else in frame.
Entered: 2:57:28
